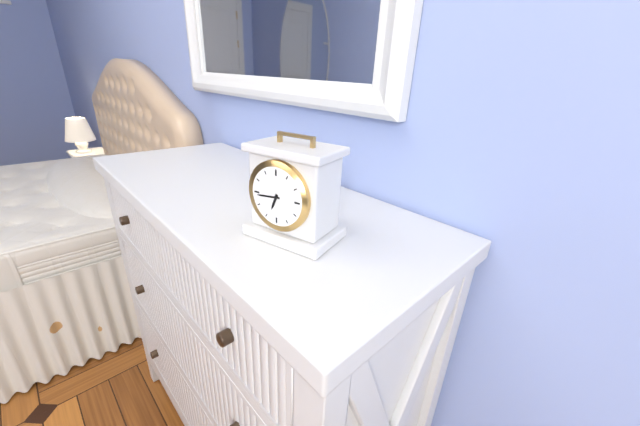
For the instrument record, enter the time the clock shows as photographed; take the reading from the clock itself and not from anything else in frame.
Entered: 6:44
